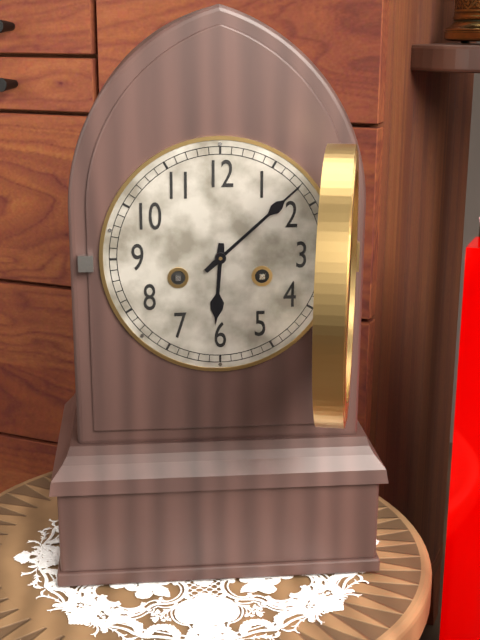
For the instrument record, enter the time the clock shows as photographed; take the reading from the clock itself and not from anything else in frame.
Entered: 6:08
